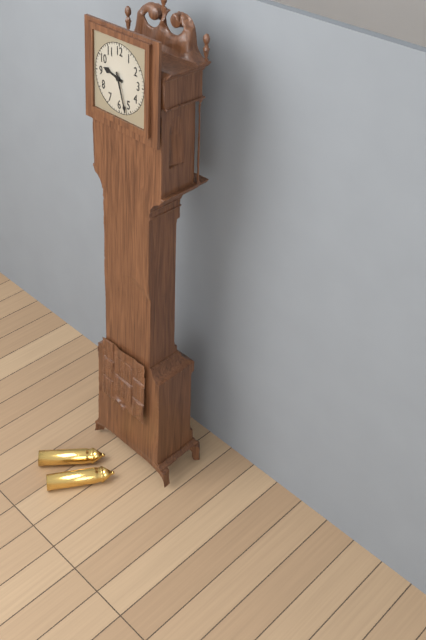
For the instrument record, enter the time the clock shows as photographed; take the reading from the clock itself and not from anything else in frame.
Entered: 9:27
